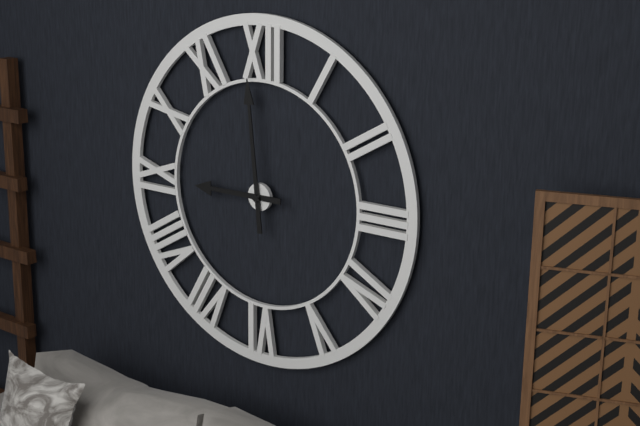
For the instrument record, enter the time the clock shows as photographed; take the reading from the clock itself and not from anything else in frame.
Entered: 8:59
